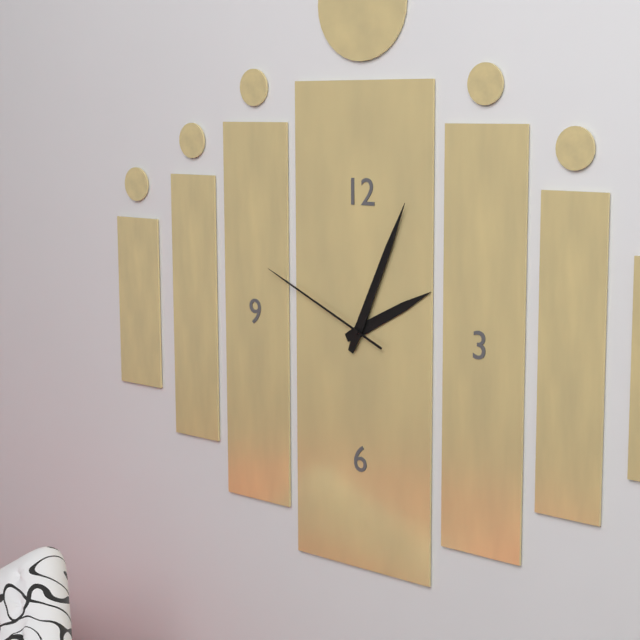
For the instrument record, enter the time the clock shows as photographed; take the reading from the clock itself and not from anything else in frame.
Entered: 2:04:49
